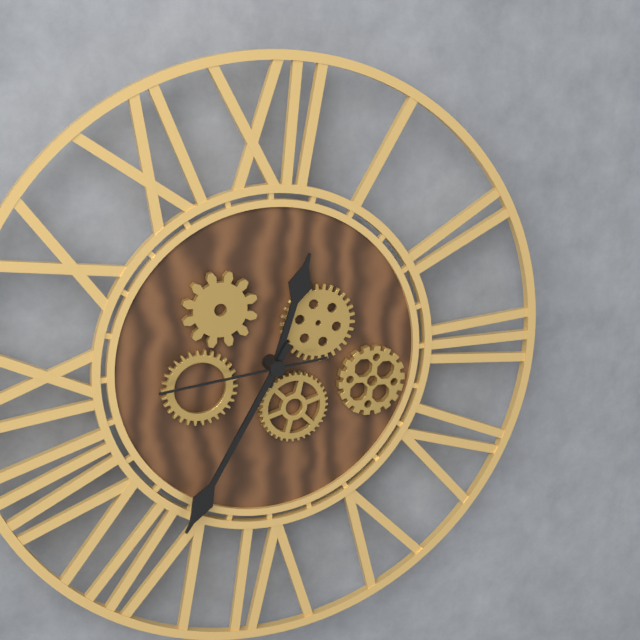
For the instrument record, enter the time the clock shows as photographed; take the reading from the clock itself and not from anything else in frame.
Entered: 12:35:44
